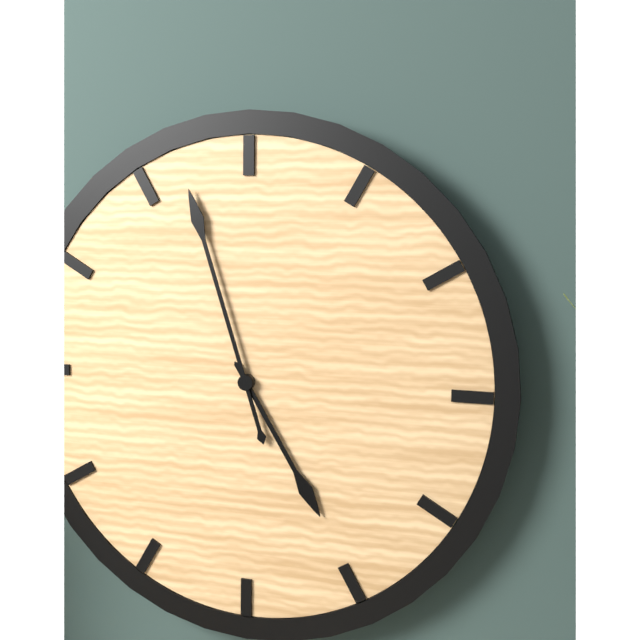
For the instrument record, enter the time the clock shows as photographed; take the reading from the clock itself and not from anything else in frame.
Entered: 4:57
